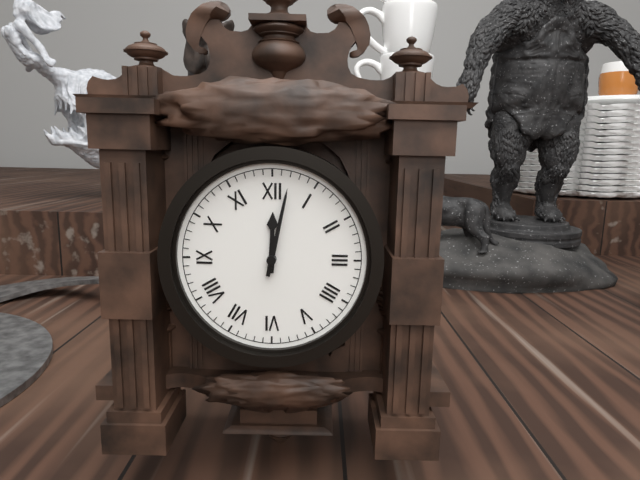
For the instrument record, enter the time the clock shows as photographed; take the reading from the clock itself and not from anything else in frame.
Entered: 12:02
